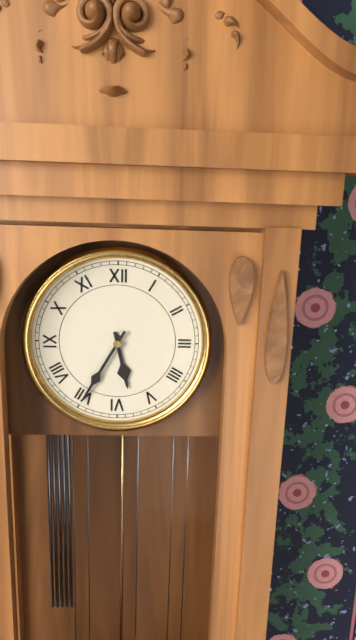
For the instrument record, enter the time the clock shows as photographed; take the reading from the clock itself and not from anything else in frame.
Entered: 5:35
